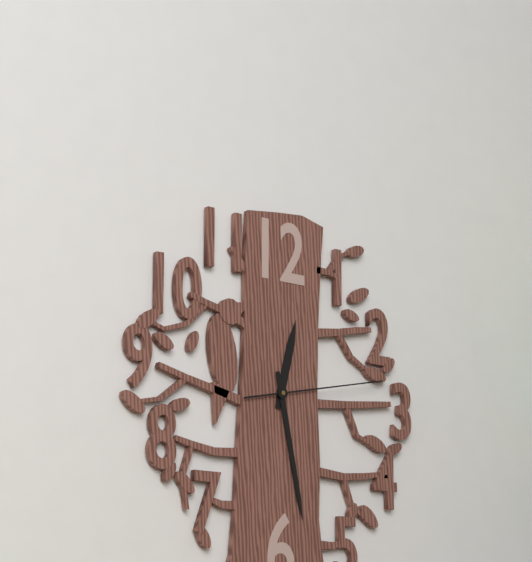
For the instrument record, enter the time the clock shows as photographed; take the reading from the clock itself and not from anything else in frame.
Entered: 12:28:13
